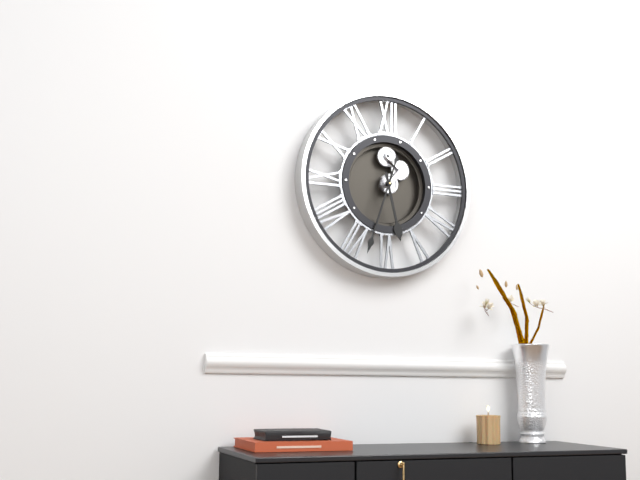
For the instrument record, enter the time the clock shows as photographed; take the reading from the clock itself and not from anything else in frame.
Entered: 5:33
